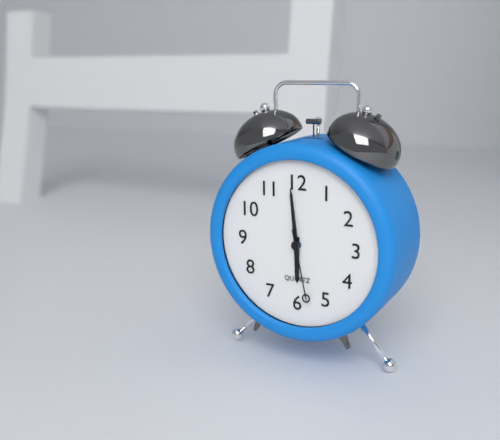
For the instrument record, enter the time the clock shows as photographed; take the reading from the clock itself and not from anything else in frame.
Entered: 5:59:28
